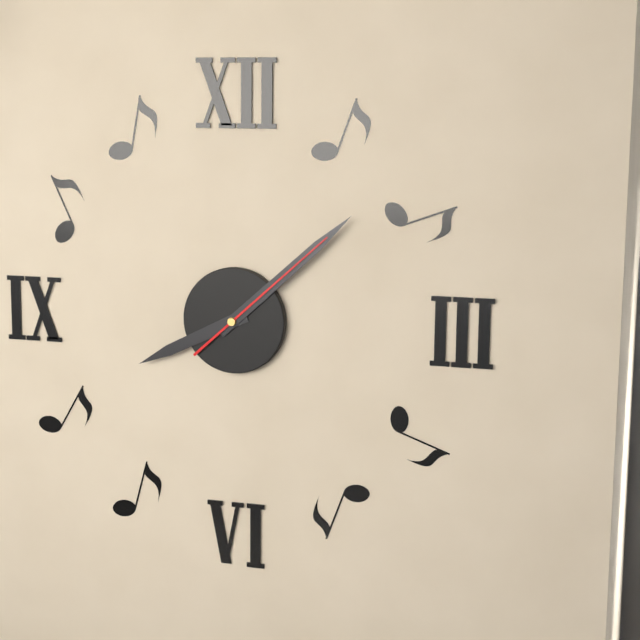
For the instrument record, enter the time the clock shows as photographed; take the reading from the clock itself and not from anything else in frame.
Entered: 8:08:08
